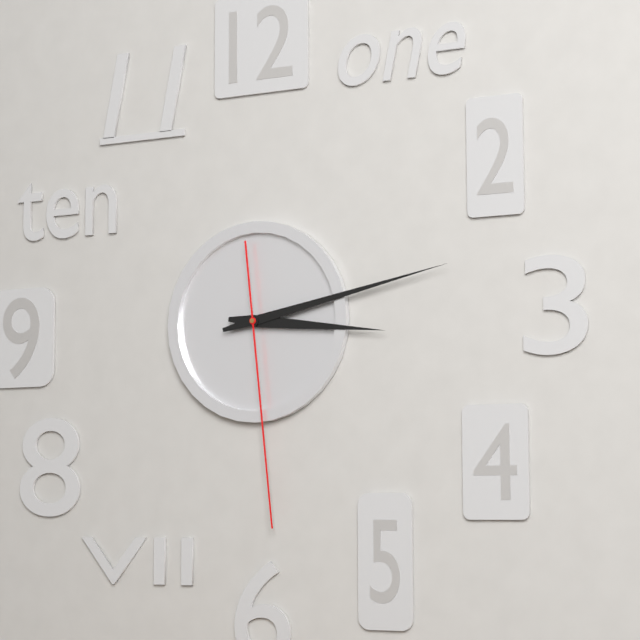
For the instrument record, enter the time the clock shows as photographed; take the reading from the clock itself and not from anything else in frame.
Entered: 3:13:29
